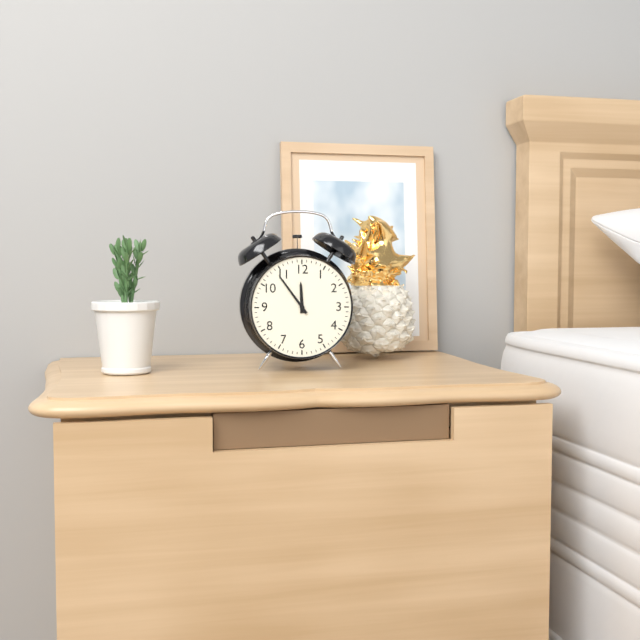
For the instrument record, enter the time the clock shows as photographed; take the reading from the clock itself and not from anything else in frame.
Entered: 11:54
